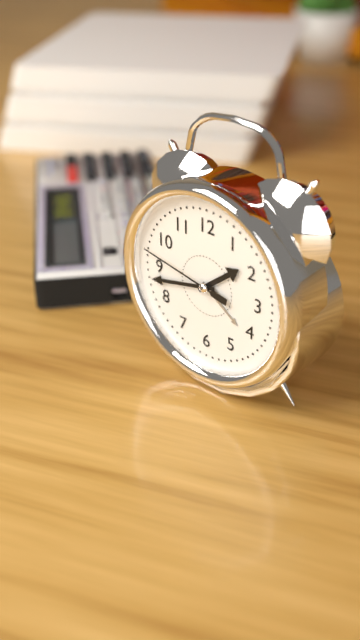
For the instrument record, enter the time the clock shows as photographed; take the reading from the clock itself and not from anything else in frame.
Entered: 1:43:47
